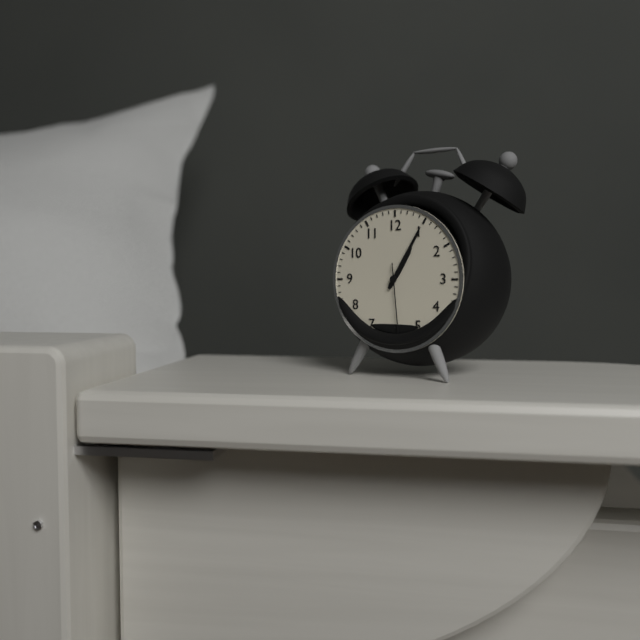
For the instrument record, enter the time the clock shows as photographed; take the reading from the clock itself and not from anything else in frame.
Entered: 1:05:29
